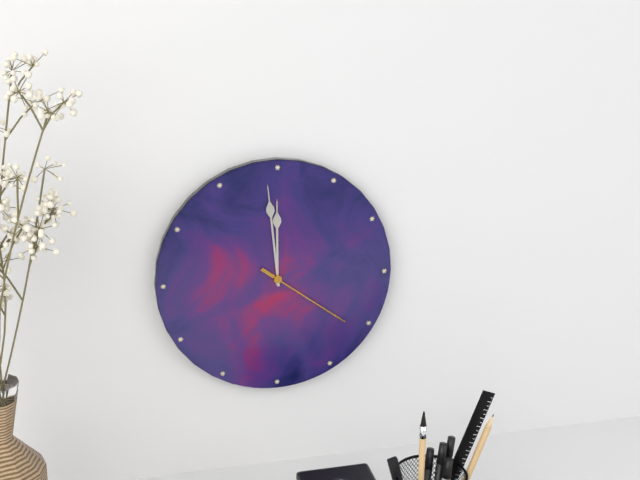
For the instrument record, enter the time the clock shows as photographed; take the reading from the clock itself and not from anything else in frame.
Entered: 11:59:21
